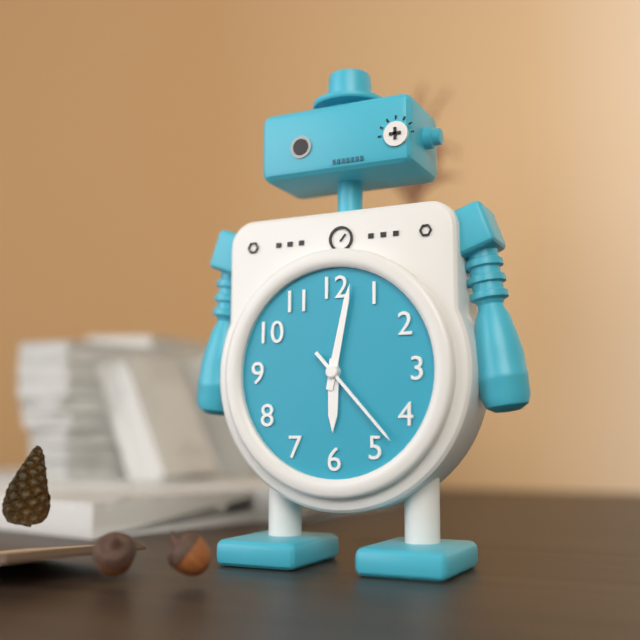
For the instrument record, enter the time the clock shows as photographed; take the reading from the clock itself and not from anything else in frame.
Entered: 6:02:23
